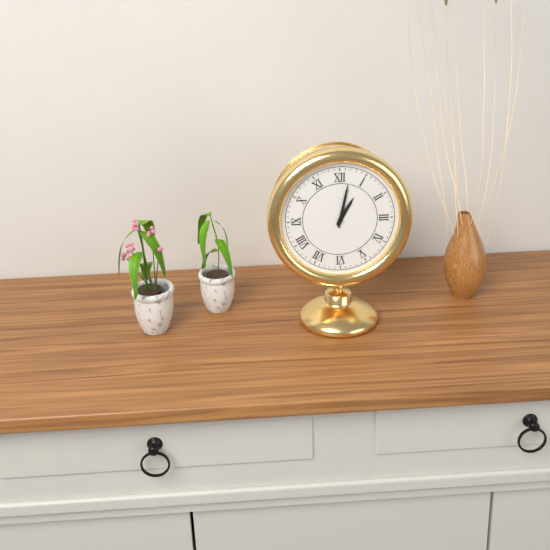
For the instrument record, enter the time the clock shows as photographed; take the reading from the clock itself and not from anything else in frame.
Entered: 1:02
